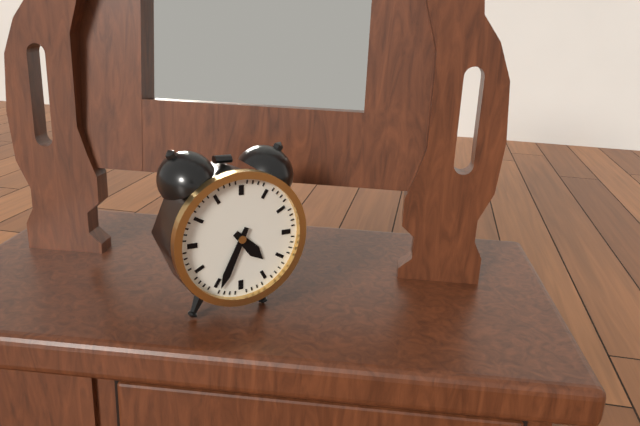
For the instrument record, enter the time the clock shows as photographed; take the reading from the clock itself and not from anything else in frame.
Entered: 4:34
